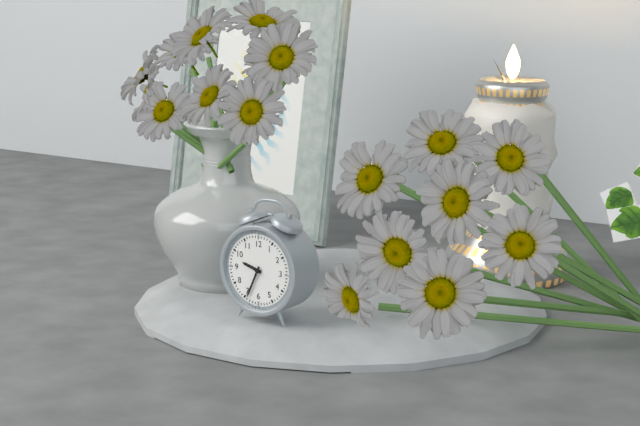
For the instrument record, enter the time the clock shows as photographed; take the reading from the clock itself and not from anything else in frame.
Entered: 9:34
